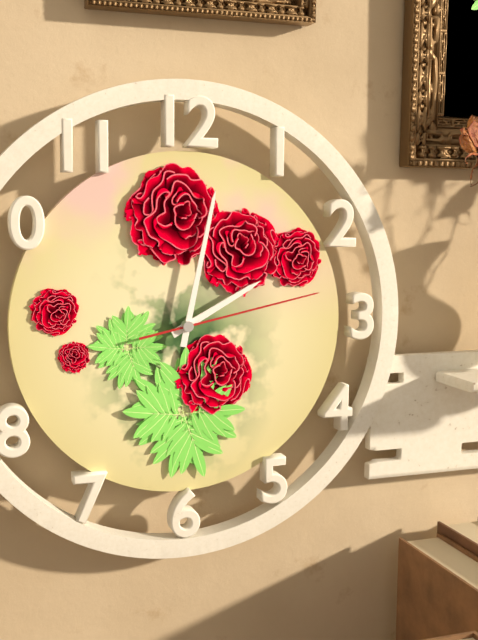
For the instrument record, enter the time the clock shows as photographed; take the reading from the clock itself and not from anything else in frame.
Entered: 2:02:13
